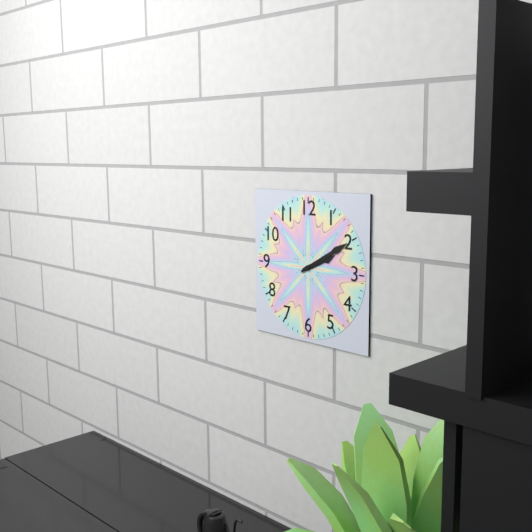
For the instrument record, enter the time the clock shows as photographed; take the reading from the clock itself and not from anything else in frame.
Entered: 2:10
